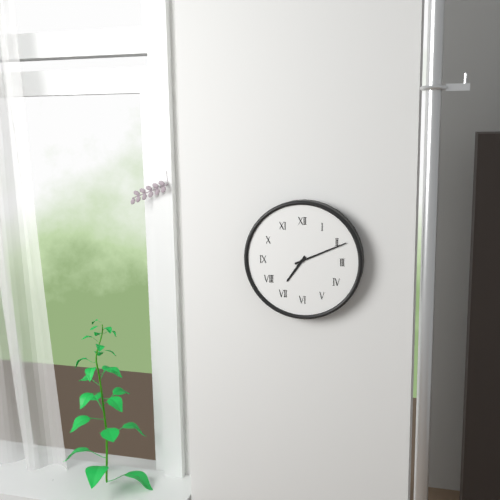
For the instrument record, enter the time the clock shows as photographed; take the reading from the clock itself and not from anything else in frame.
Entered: 7:11
